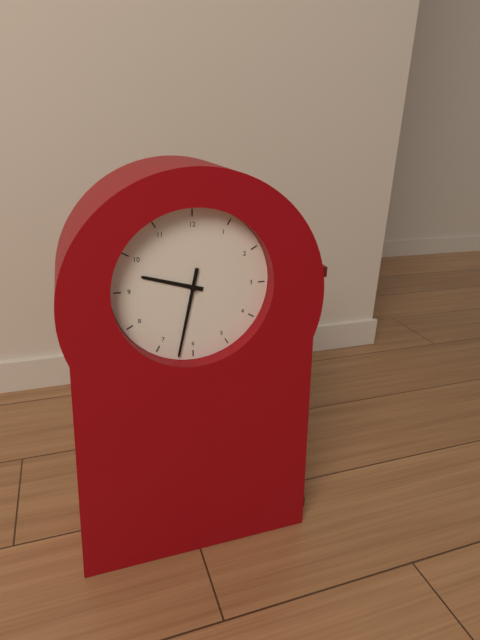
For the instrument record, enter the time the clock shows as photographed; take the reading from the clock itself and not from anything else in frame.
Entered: 9:32
